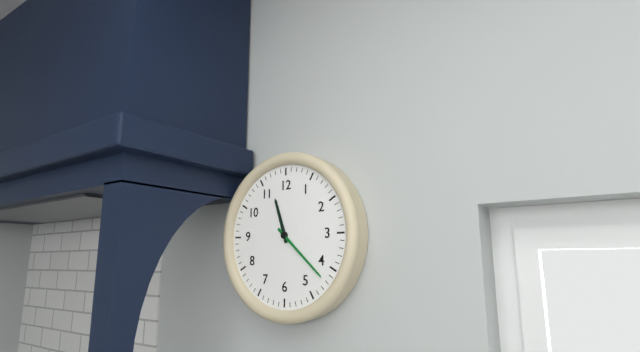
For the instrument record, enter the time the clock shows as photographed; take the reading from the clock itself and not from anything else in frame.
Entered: 11:22
